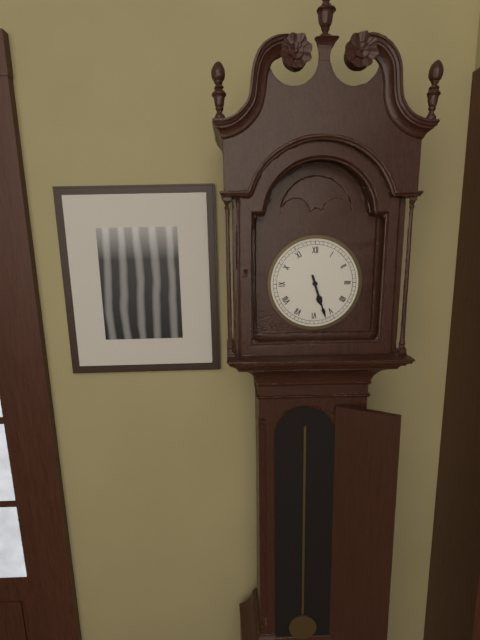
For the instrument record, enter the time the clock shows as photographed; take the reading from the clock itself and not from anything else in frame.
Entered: 5:27
